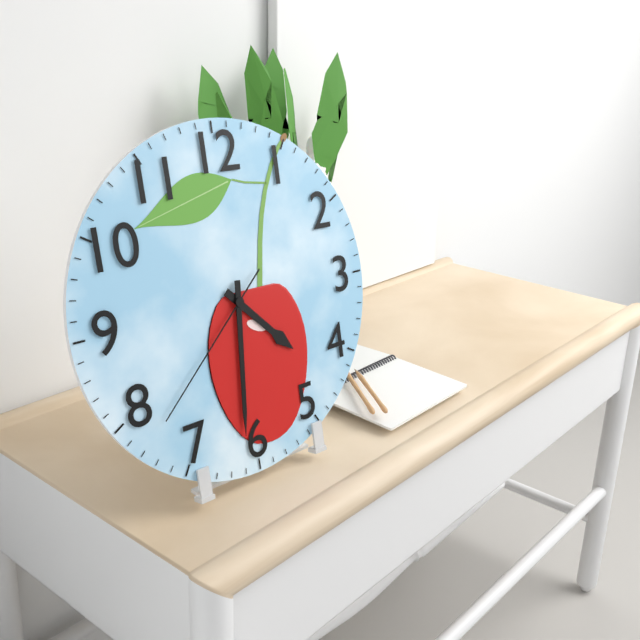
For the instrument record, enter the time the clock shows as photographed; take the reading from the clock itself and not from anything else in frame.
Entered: 4:31:38
